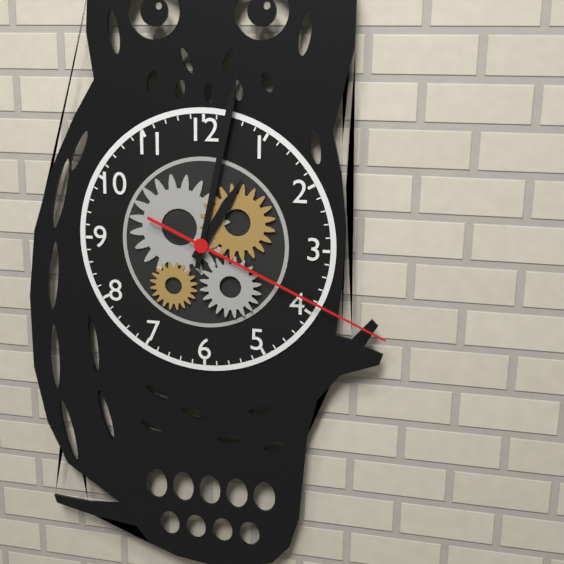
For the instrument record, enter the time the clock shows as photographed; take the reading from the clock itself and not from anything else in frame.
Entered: 1:02:19
